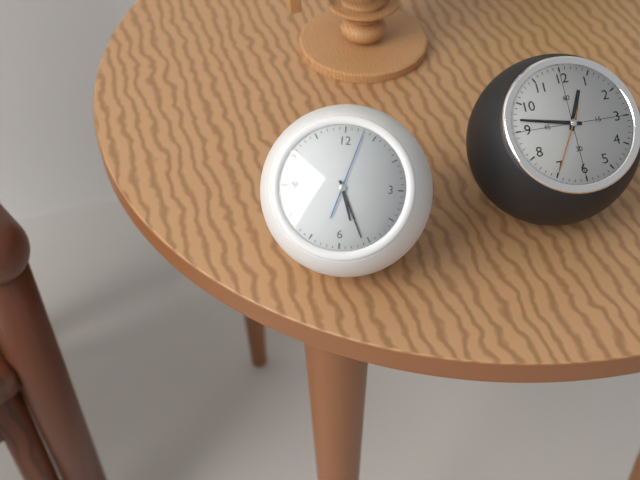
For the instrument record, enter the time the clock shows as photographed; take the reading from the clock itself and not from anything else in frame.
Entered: 5:26:03
